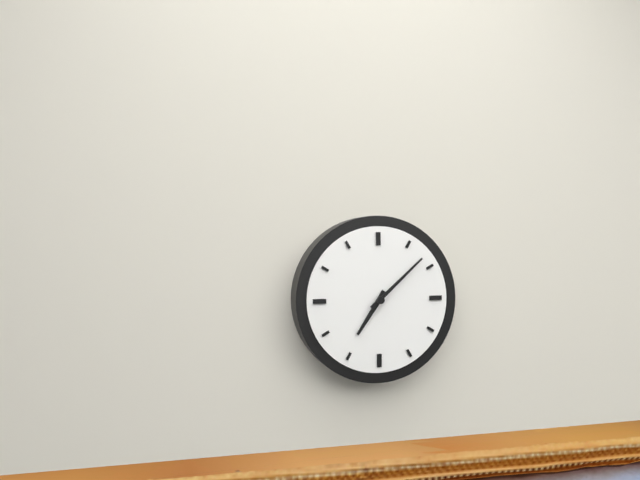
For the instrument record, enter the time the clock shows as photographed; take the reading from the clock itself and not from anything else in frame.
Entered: 7:08
